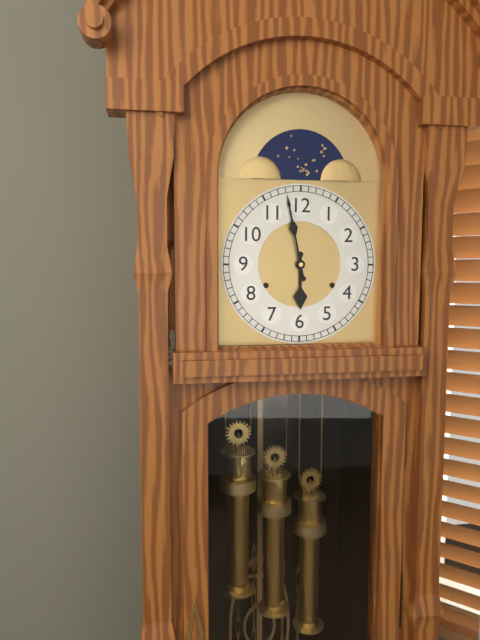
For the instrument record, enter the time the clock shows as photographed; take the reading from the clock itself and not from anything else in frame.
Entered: 5:58
